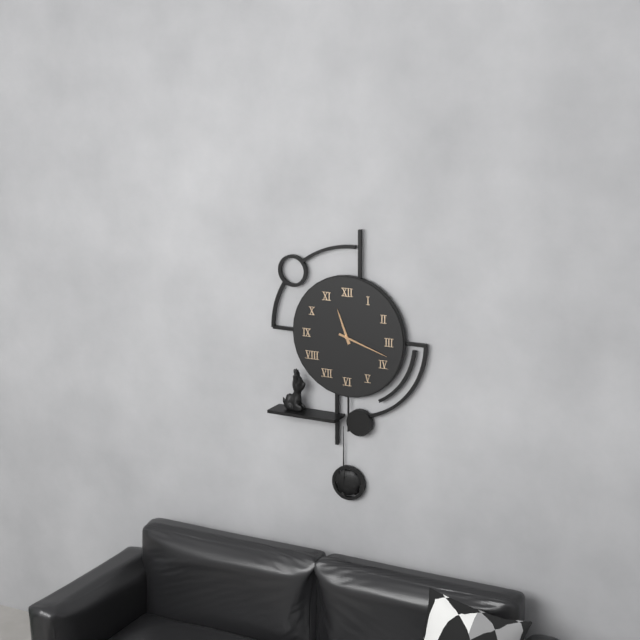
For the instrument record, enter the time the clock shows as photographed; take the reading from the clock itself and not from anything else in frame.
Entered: 11:18
